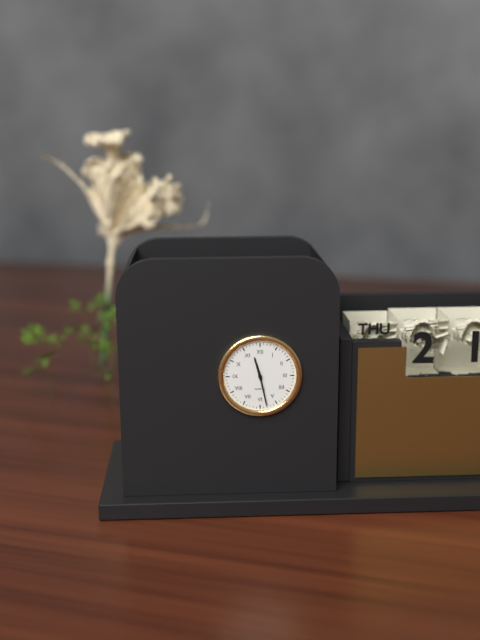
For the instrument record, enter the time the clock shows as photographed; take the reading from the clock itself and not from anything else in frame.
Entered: 11:28
